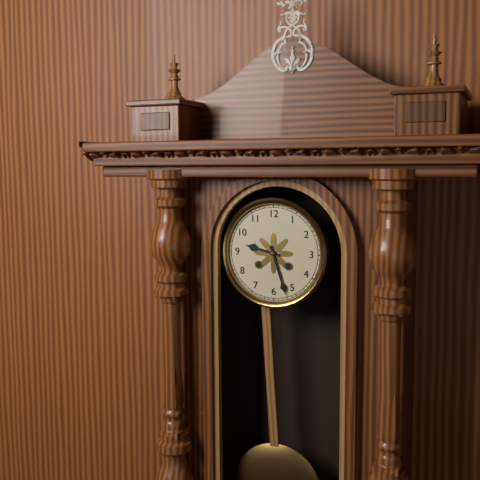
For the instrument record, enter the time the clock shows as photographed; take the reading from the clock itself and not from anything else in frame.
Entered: 9:27
